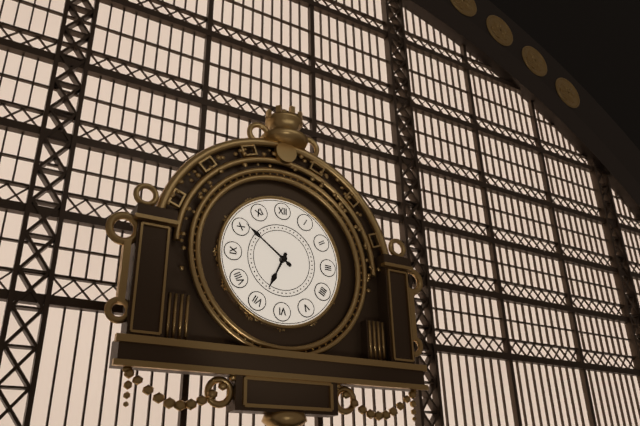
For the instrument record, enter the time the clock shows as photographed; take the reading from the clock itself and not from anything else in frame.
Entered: 6:51
